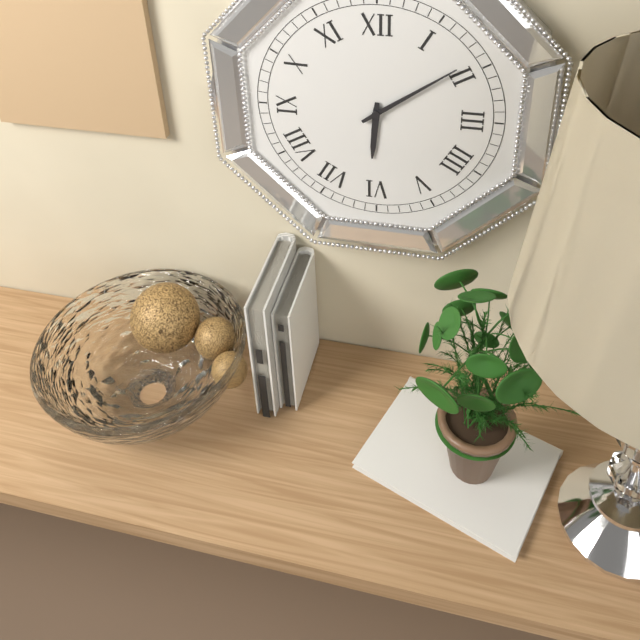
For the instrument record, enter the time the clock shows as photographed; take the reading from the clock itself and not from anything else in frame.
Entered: 6:09
